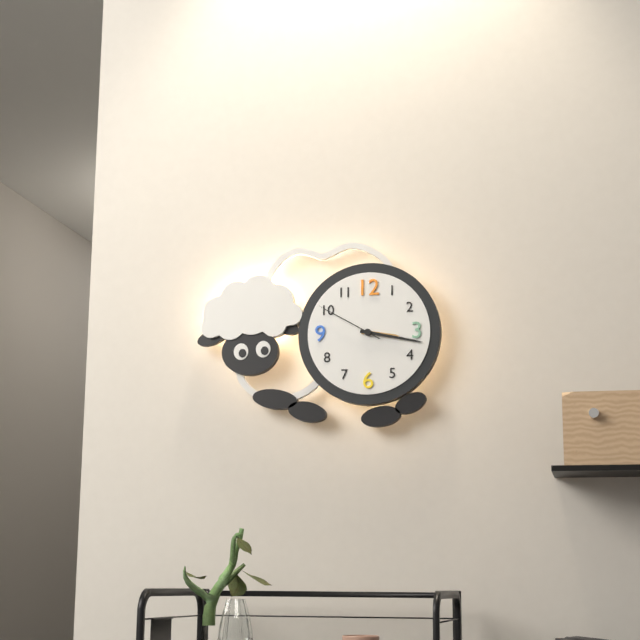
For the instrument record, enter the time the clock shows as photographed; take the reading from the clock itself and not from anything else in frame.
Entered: 3:17:50
